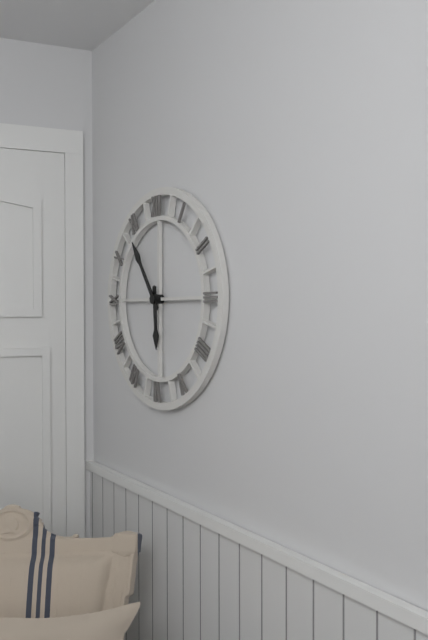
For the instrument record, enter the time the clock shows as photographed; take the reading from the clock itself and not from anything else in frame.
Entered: 5:54
